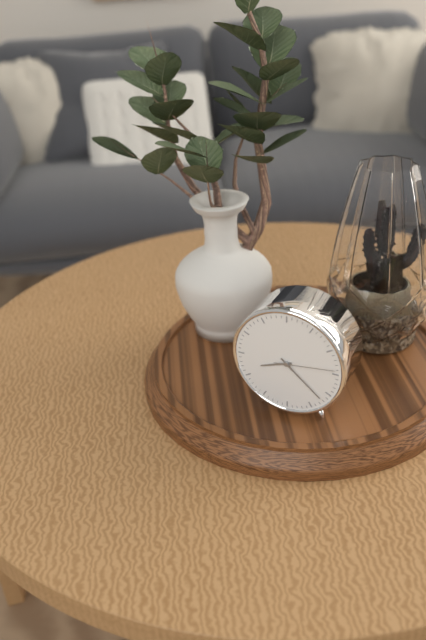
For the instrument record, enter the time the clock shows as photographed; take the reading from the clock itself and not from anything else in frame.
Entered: 8:22:14
